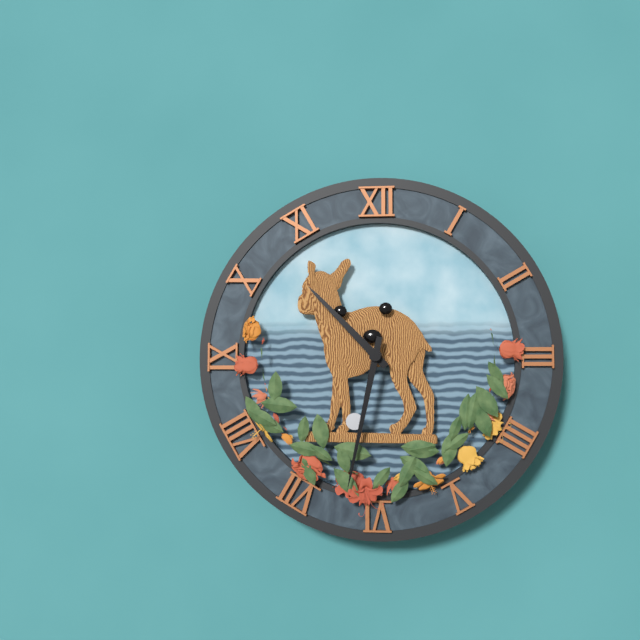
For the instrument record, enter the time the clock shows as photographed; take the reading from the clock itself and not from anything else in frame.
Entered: 10:32
